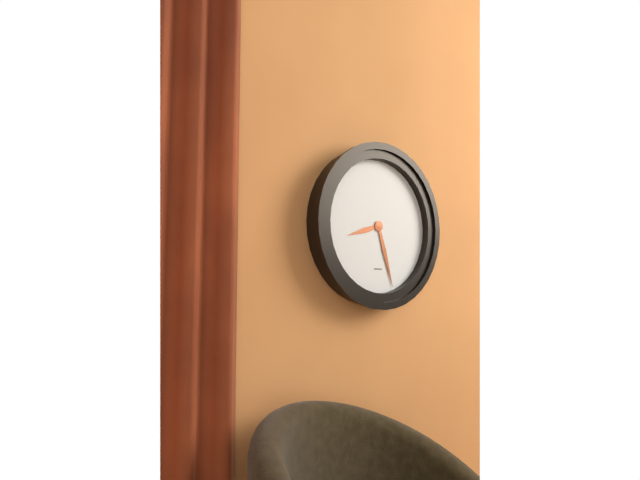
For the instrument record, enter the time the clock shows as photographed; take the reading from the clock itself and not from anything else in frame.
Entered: 8:27
